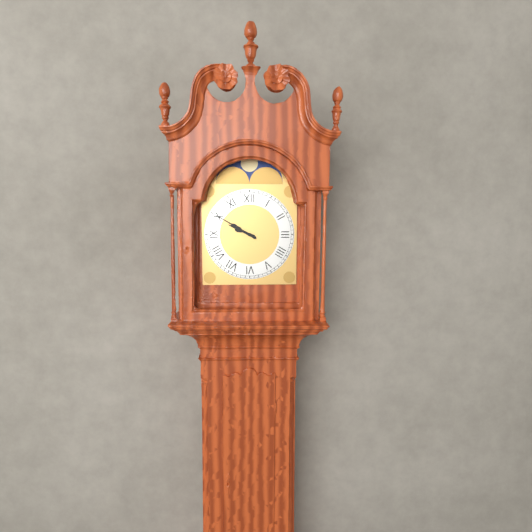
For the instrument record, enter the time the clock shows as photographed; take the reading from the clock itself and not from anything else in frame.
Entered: 9:50
